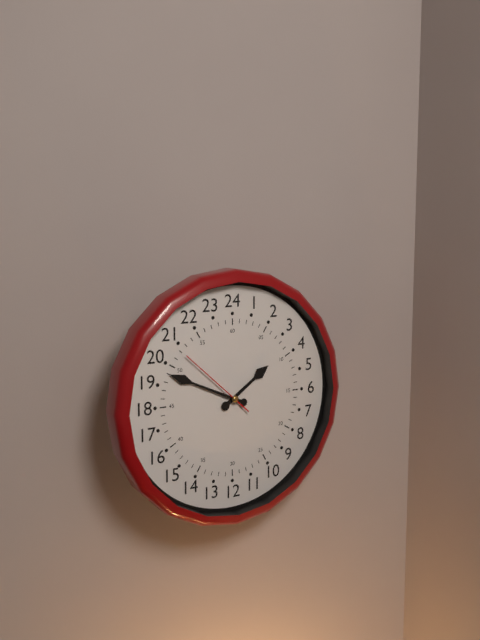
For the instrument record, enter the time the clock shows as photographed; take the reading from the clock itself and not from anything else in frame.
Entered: 1:49:52
